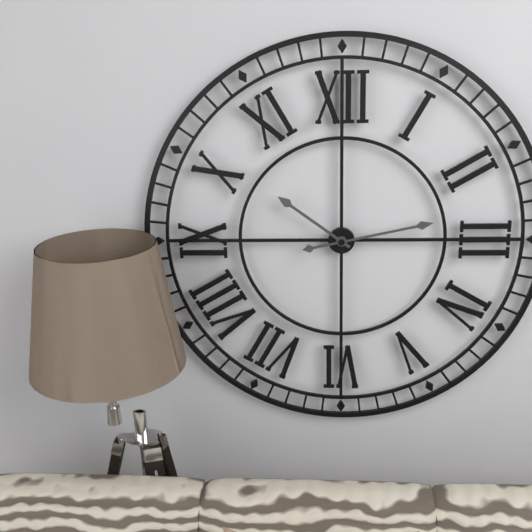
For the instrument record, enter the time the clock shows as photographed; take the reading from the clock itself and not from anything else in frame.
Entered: 10:13
